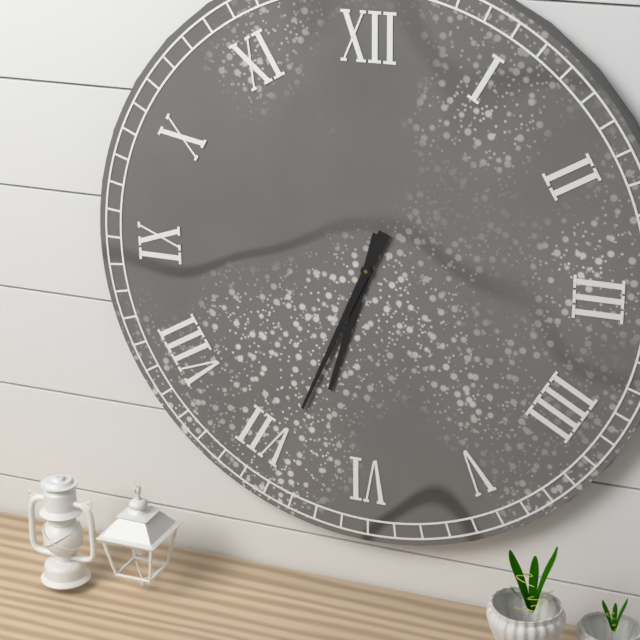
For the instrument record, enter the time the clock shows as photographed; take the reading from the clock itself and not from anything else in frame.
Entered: 6:34
